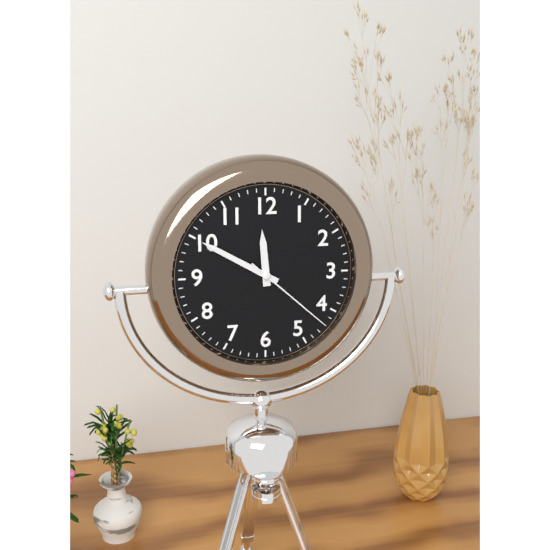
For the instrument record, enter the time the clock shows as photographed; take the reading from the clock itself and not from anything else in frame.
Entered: 11:50:22
